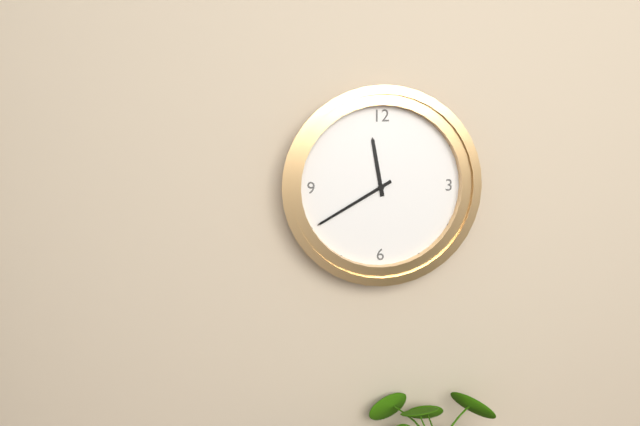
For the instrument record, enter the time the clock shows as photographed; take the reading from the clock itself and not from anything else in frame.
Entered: 11:40
